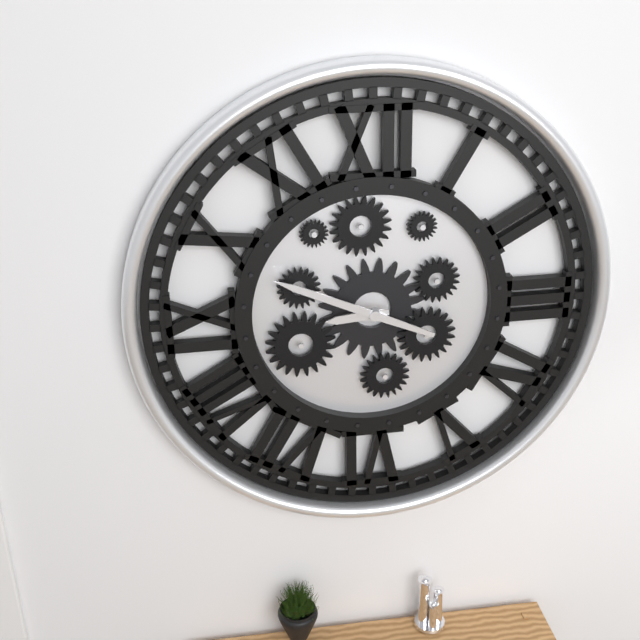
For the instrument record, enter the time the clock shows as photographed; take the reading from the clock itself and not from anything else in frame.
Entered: 8:49
